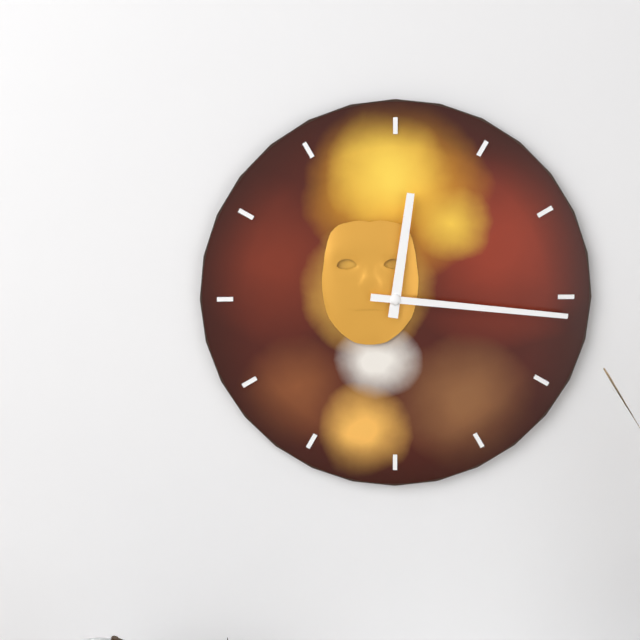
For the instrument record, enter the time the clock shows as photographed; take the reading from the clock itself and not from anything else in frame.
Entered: 12:16
